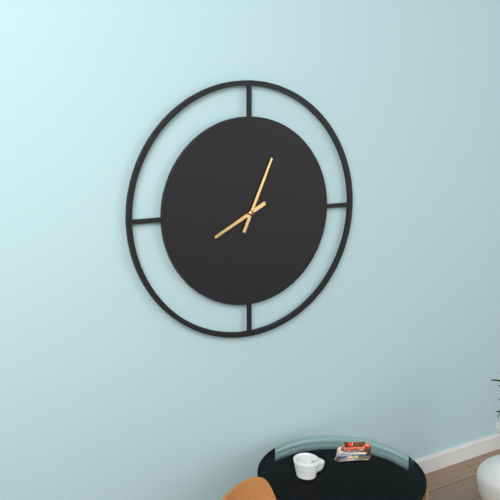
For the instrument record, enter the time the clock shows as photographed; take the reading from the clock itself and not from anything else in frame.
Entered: 8:04
